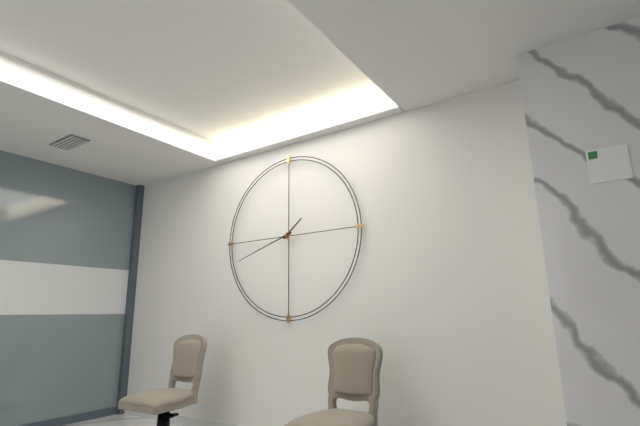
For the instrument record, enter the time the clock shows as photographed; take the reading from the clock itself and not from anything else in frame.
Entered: 1:42
